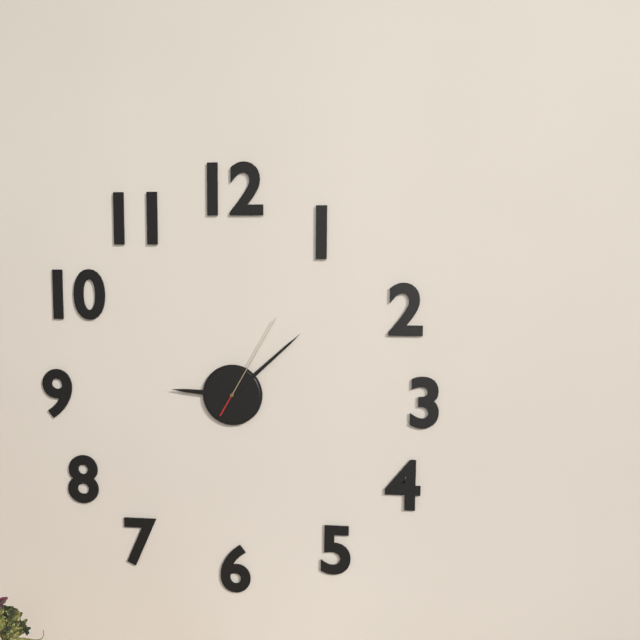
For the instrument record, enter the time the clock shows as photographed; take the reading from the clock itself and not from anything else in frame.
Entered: 9:08:05
